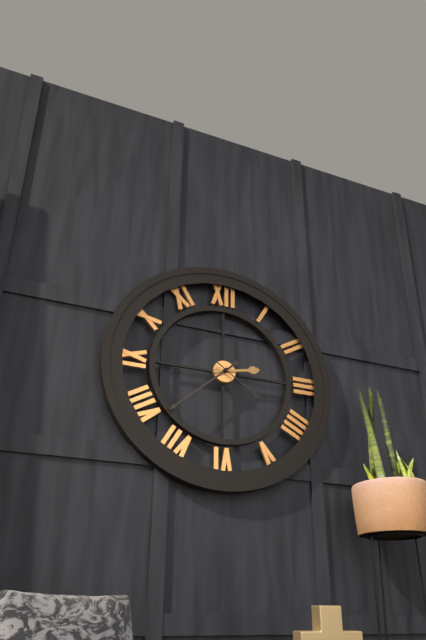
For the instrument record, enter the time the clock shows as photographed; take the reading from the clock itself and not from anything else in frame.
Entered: 2:38:21
